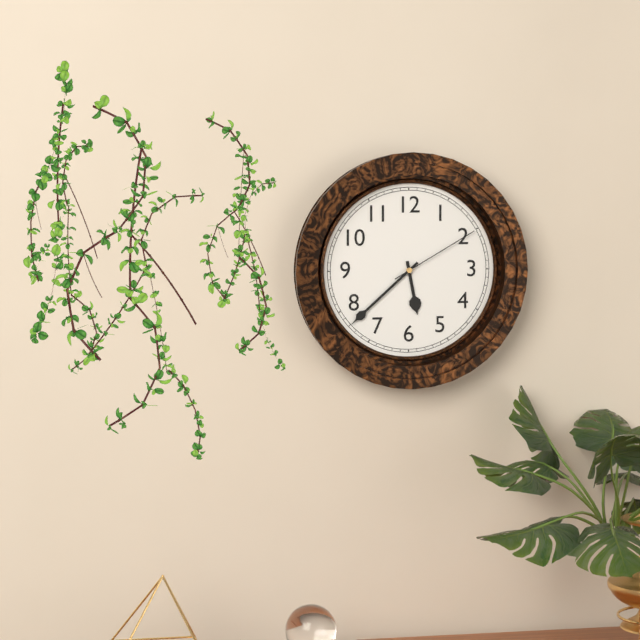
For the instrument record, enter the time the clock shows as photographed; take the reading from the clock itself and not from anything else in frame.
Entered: 5:38:10
